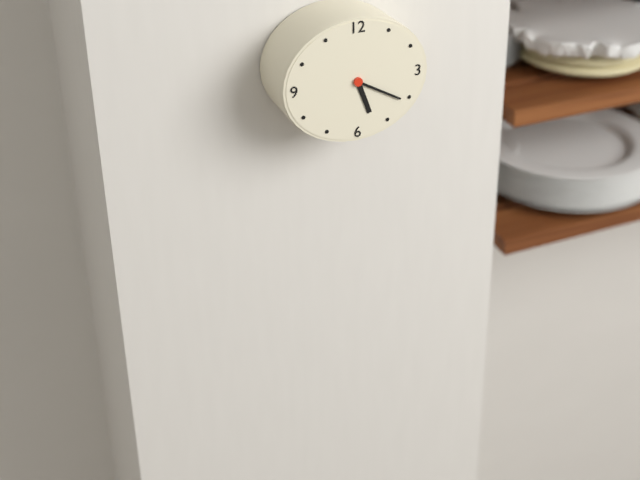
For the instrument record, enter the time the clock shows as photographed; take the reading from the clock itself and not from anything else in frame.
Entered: 5:20
